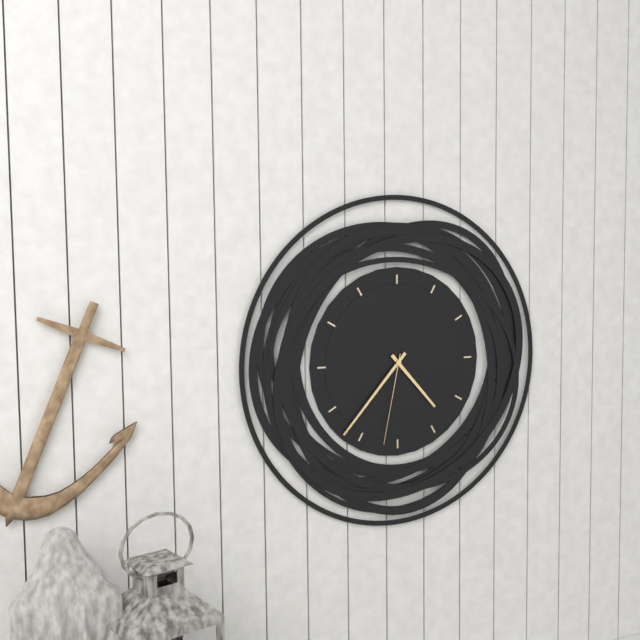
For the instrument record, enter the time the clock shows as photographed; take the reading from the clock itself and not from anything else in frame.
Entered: 4:37:32
